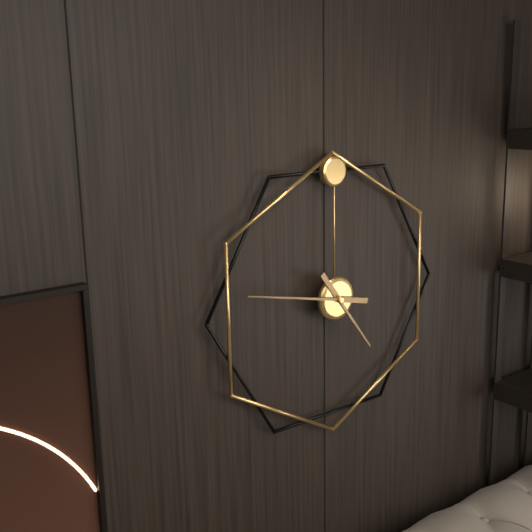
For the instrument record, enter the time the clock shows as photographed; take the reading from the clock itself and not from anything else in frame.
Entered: 4:47
